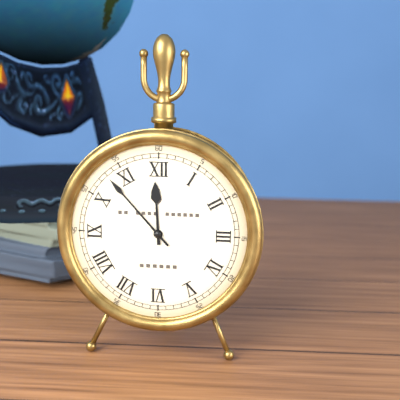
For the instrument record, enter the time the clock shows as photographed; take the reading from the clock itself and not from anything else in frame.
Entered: 11:53
